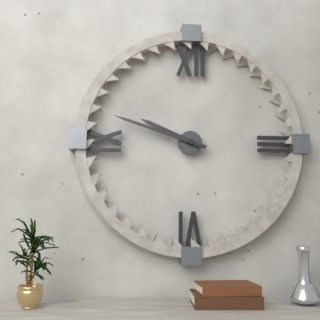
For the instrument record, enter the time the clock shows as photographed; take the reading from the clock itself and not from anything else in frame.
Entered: 9:48
